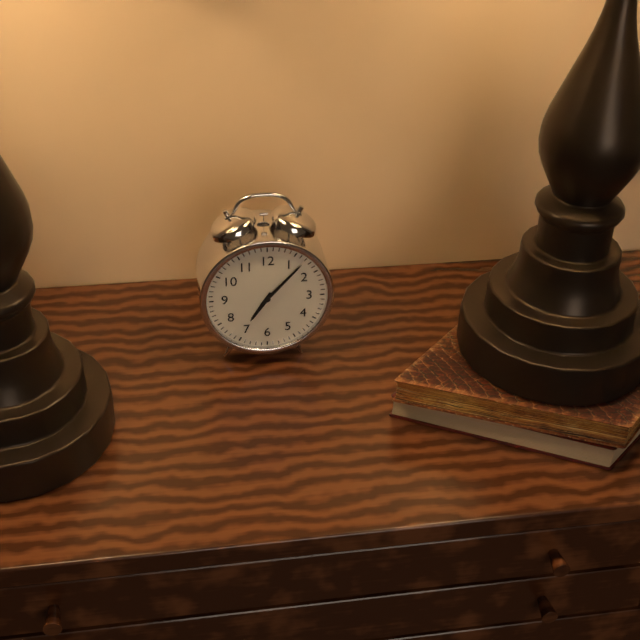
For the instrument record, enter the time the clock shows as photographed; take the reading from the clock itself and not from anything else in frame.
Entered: 7:07
